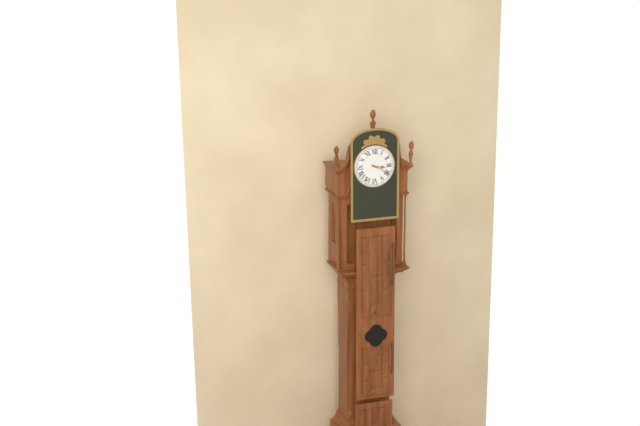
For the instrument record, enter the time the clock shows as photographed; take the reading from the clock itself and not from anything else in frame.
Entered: 3:20
